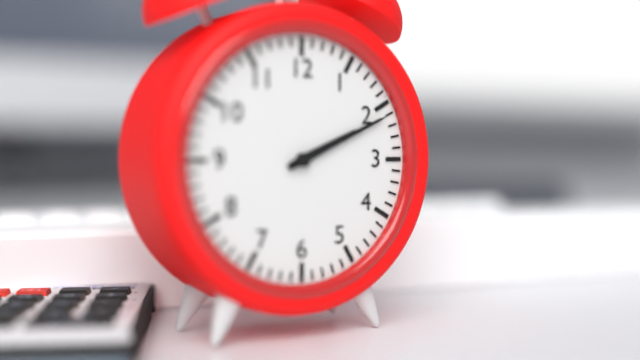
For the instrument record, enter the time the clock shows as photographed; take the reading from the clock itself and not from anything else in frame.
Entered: 2:11
